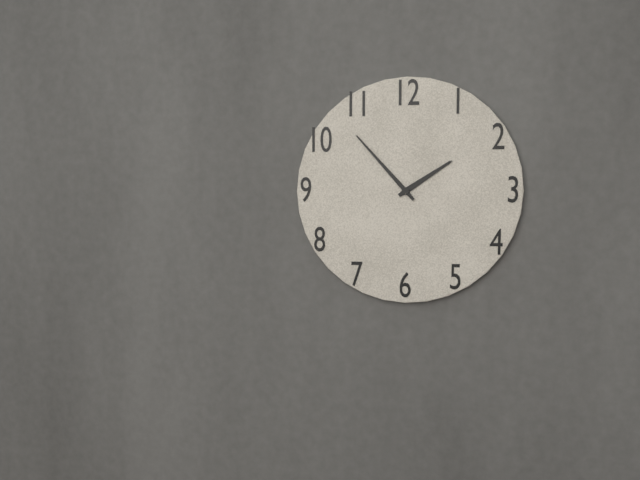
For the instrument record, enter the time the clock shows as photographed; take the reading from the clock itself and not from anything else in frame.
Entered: 1:53
